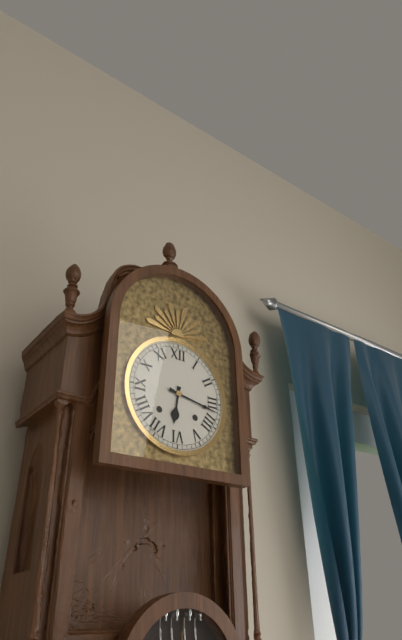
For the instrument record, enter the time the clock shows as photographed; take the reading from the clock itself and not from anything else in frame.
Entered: 6:17
